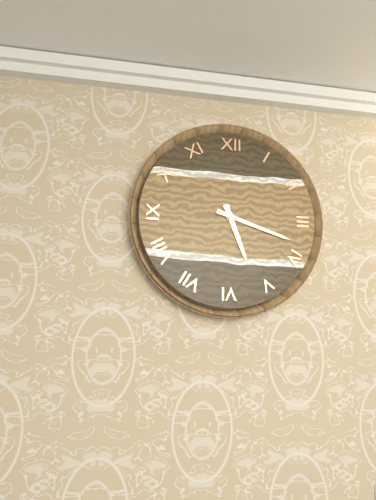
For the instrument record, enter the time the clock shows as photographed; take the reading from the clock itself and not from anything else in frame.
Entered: 5:18
